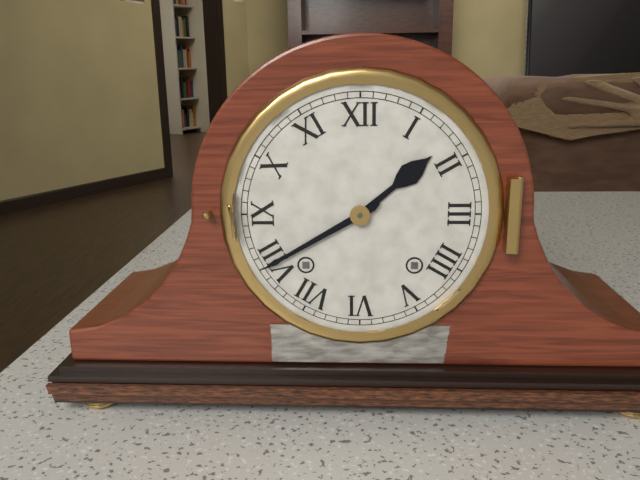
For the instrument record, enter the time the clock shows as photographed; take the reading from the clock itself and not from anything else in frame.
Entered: 1:40
